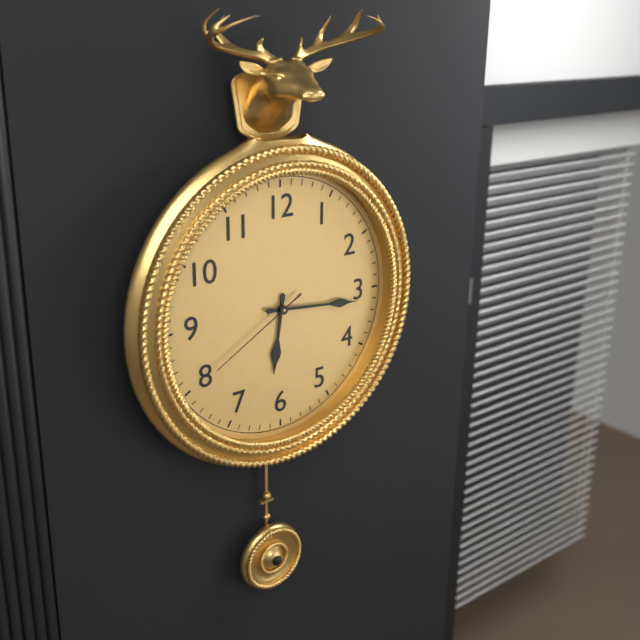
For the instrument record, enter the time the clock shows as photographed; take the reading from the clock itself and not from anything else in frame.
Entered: 6:16:40
